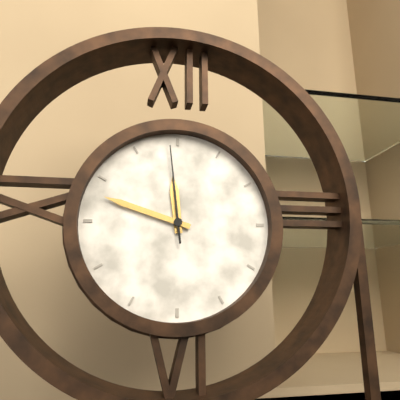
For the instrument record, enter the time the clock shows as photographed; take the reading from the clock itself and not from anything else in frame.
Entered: 11:48:59
